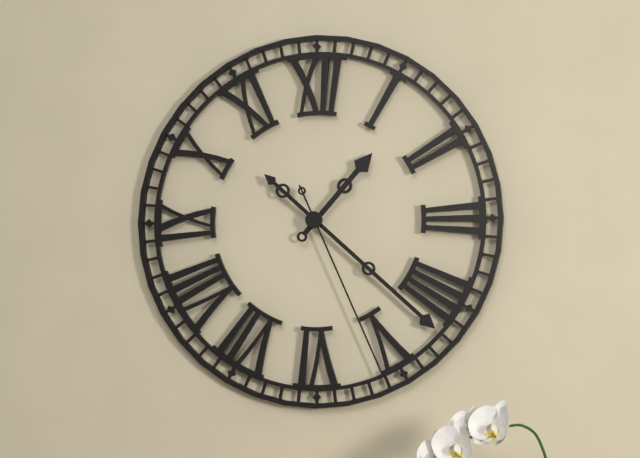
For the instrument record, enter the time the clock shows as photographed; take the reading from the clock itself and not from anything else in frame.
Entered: 1:22:26
